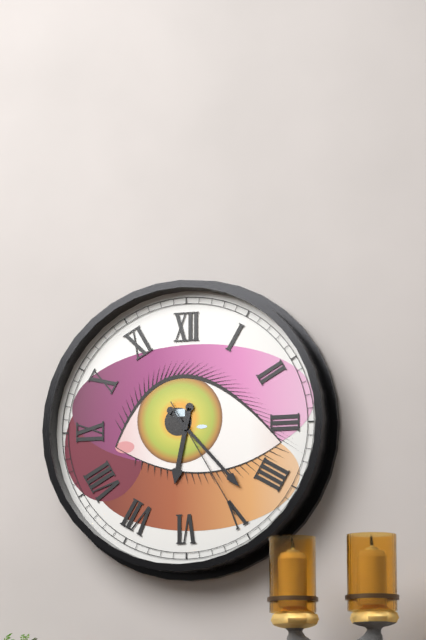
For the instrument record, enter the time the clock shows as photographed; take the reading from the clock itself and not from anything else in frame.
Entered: 6:23:25
